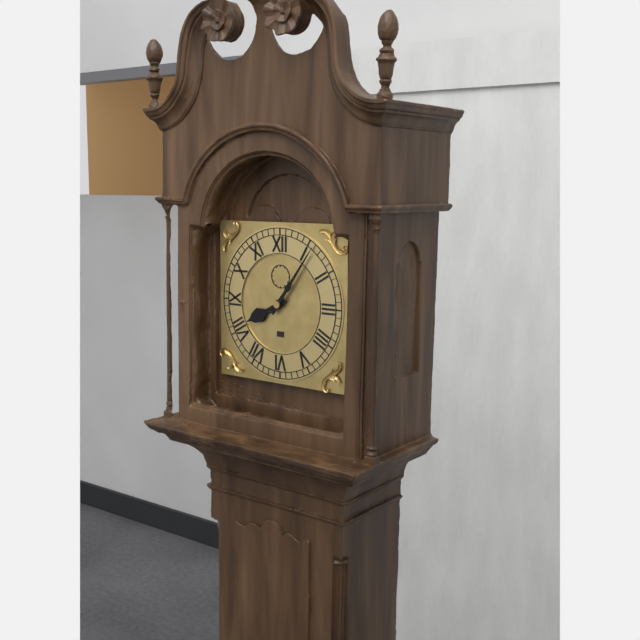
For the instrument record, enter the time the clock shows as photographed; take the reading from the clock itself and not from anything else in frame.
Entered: 8:06
